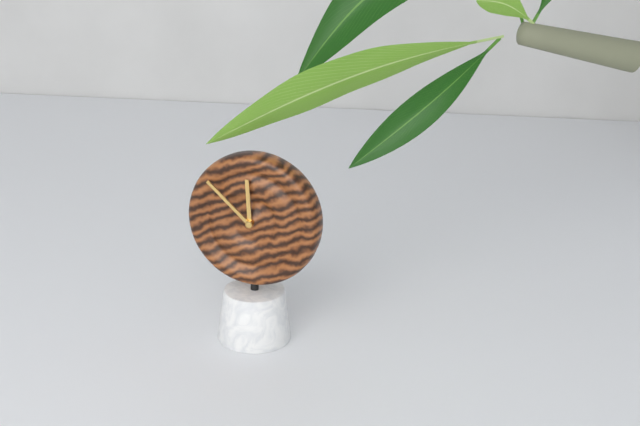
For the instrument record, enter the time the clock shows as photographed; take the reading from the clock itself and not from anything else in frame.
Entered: 11:52
